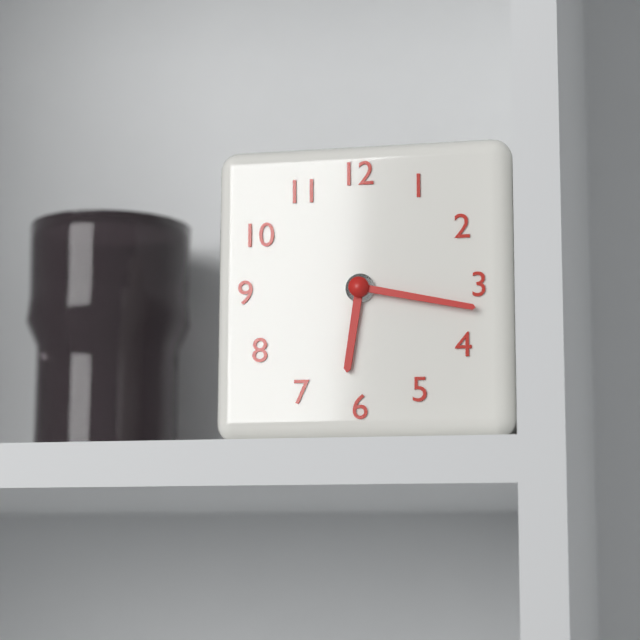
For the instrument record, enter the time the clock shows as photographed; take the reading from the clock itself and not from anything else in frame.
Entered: 6:17
